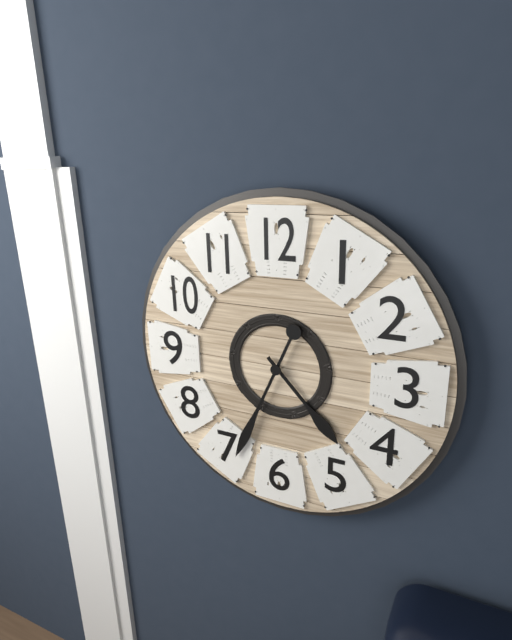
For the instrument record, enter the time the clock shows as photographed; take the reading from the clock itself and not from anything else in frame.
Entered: 4:34
